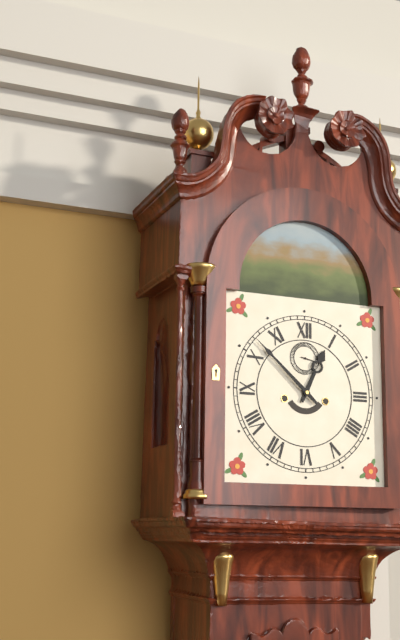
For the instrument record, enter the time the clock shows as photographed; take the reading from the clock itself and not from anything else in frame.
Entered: 12:52
